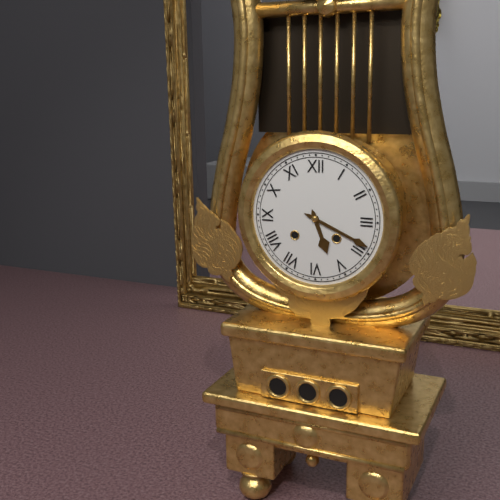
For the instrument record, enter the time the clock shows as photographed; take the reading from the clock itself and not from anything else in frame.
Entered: 5:19
